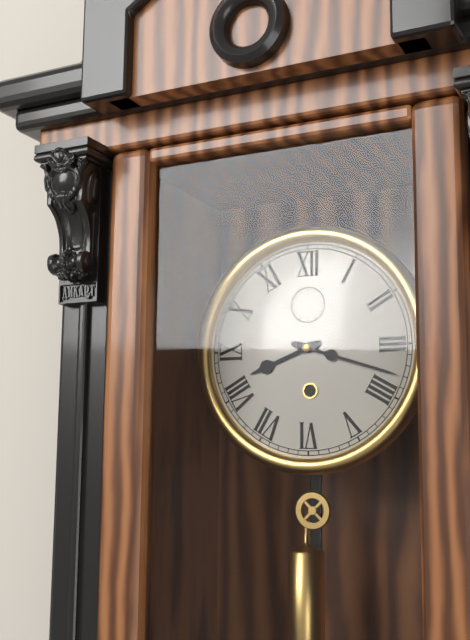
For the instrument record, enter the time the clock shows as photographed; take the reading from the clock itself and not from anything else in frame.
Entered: 8:18
